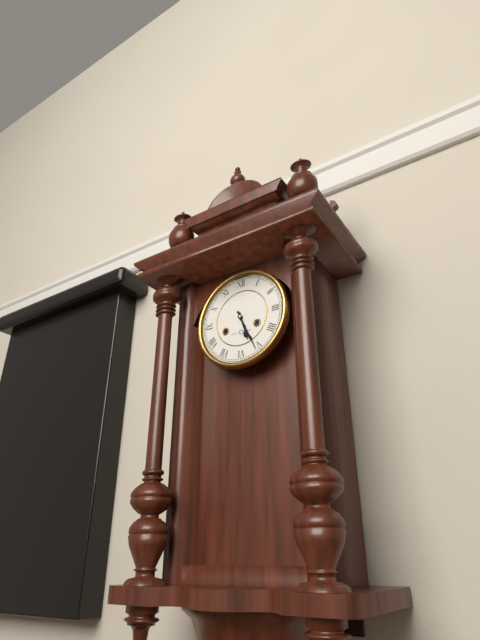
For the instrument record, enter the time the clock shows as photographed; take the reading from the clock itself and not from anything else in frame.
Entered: 5:26
